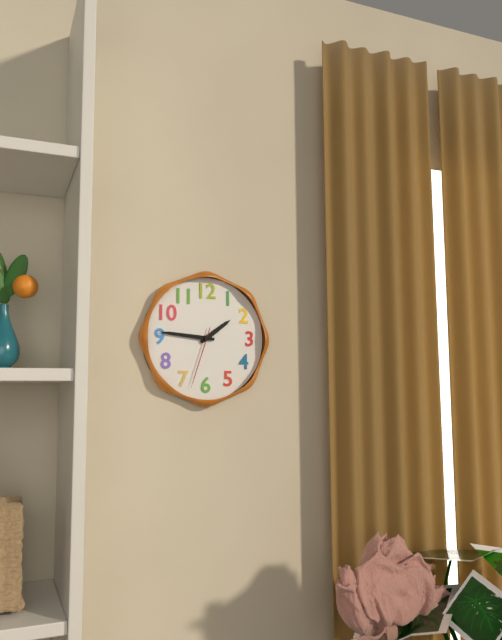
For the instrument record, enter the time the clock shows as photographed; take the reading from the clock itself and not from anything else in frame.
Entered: 1:46:33
